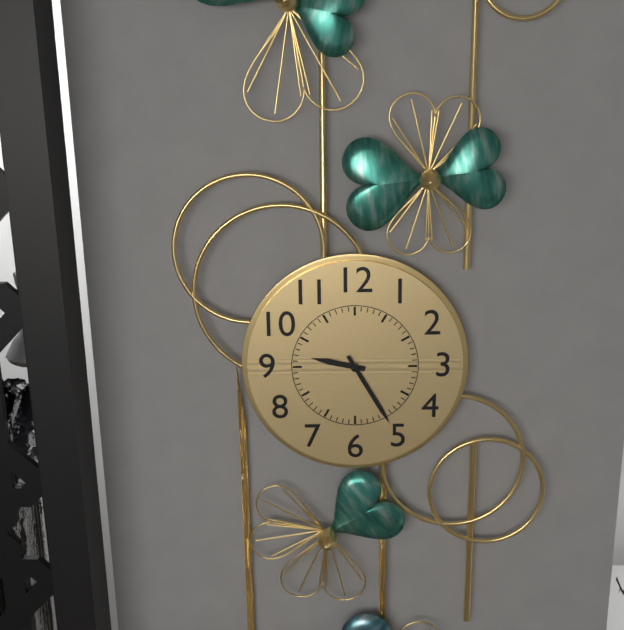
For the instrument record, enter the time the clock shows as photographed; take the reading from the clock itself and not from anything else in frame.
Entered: 9:25
